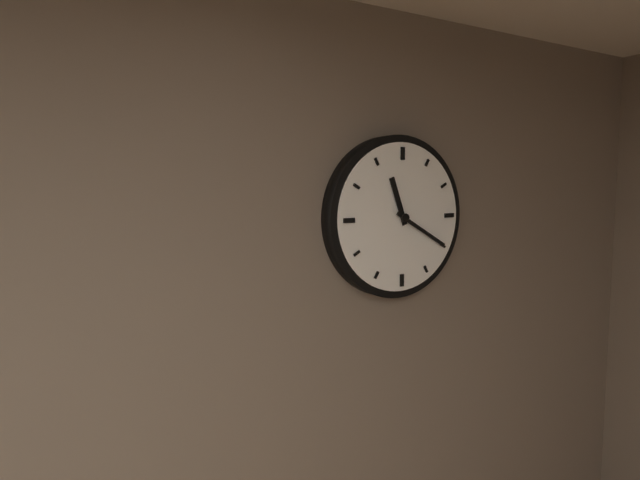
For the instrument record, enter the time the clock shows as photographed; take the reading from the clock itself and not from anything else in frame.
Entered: 11:20
